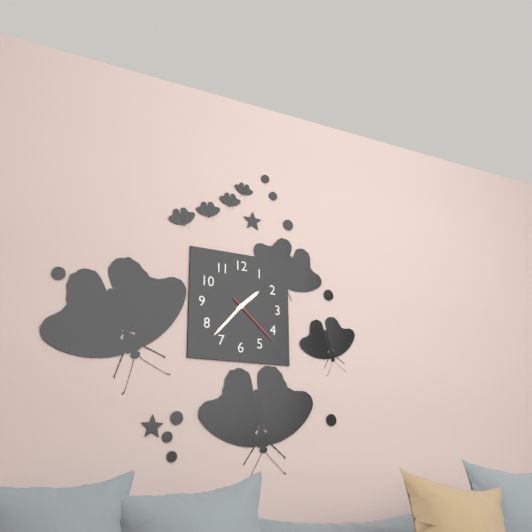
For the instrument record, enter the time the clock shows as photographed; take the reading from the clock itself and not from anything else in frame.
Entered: 1:37:22
